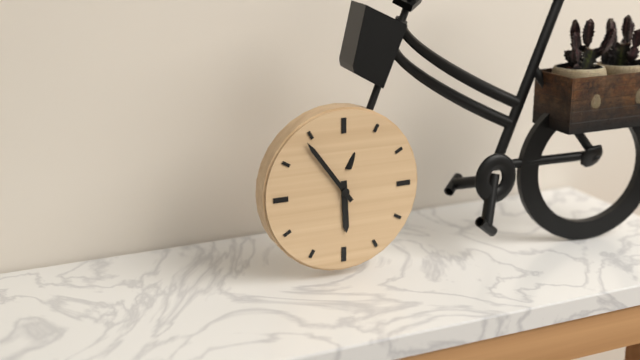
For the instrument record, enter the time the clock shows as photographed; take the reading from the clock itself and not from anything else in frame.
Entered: 5:54
